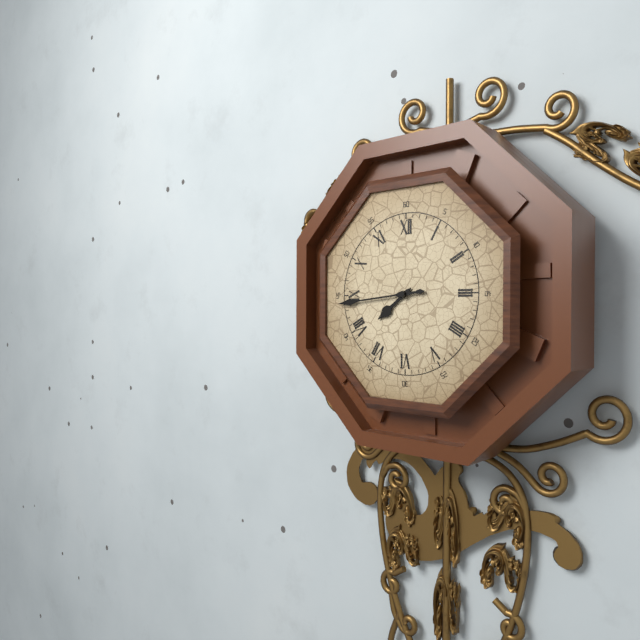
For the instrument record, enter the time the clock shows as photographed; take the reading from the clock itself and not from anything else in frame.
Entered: 7:44
